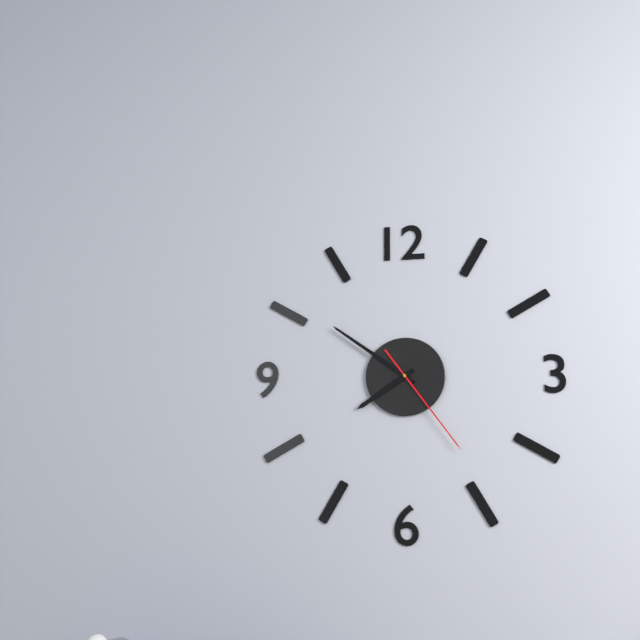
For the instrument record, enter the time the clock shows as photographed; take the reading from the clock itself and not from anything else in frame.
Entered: 7:51:24
